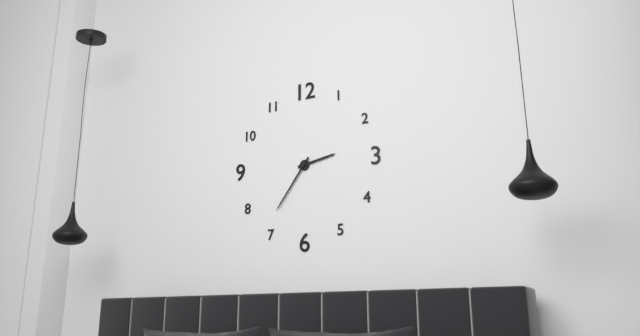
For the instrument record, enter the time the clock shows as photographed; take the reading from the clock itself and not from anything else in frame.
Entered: 2:36
